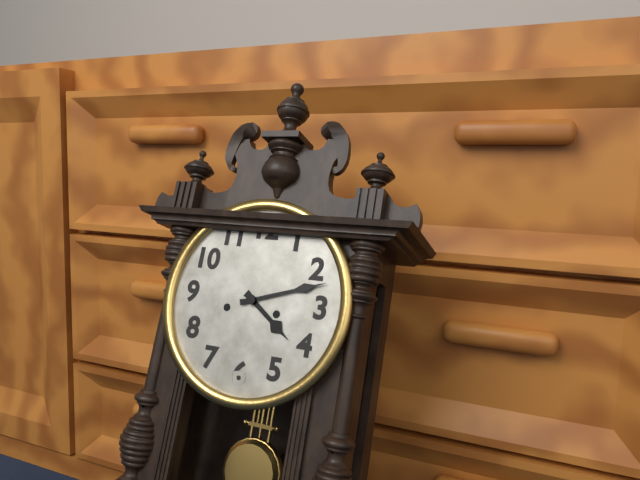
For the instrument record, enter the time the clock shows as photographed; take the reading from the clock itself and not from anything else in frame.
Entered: 4:12
